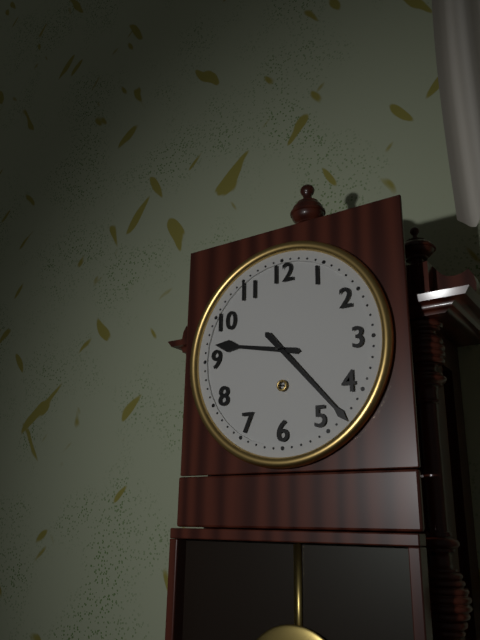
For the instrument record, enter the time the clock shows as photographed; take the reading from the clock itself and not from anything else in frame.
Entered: 9:23
